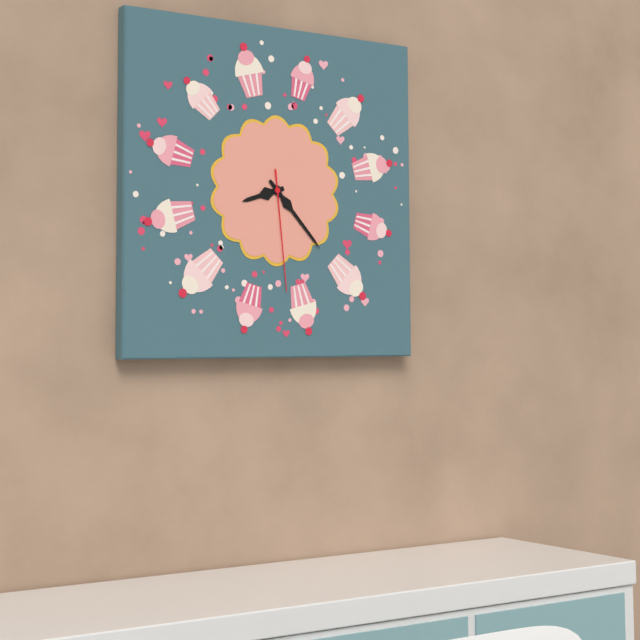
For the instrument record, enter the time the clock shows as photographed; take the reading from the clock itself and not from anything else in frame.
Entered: 8:23:29
